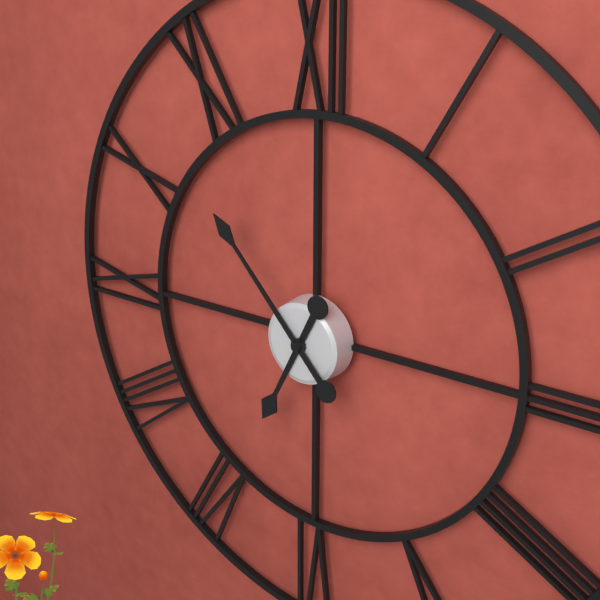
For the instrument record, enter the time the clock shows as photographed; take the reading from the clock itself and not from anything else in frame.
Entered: 6:53
